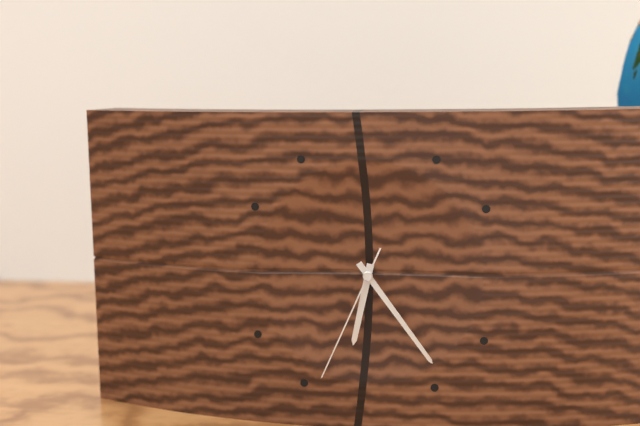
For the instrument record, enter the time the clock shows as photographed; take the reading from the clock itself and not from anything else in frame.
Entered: 6:24:34
